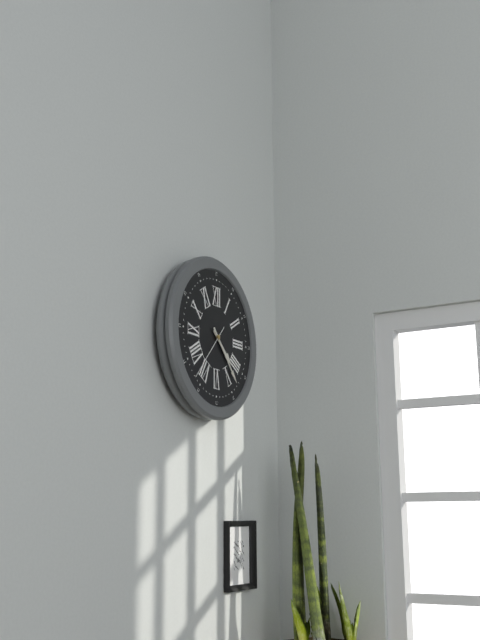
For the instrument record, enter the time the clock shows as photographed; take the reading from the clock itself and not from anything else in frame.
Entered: 4:23:37
